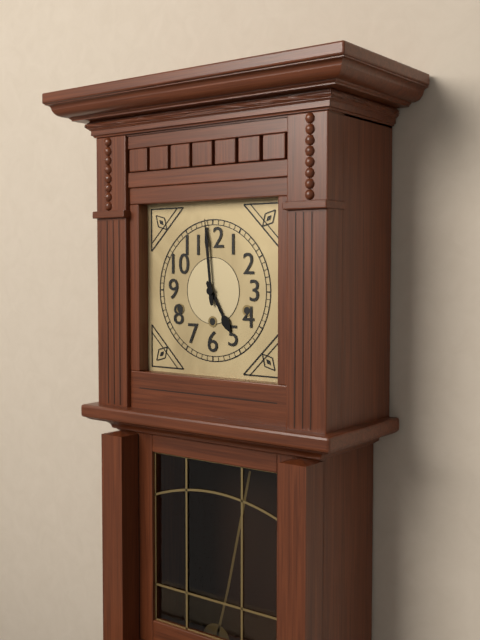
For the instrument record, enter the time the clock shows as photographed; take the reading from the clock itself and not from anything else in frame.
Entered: 4:59
